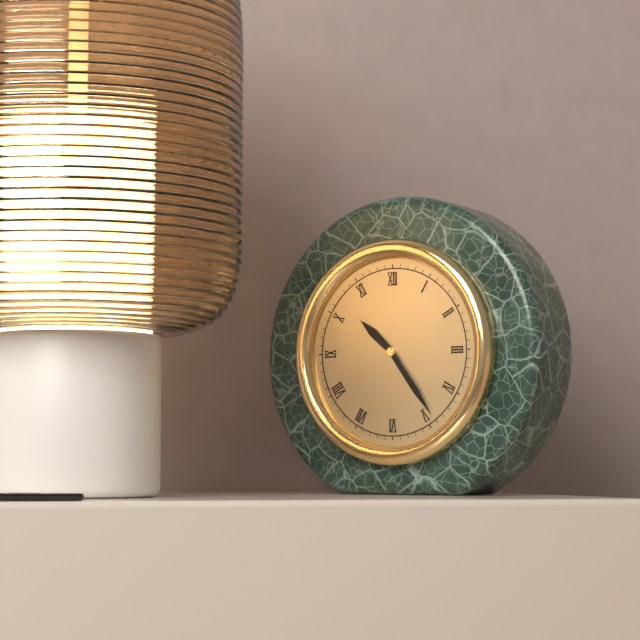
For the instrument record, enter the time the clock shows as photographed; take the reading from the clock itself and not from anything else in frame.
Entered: 10:24
